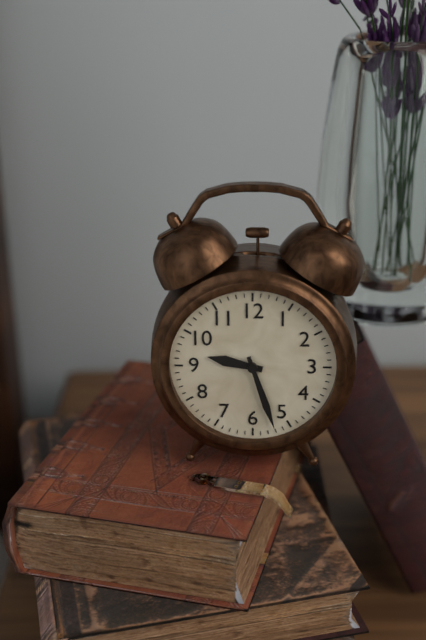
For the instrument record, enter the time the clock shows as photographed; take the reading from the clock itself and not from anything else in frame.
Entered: 9:27
